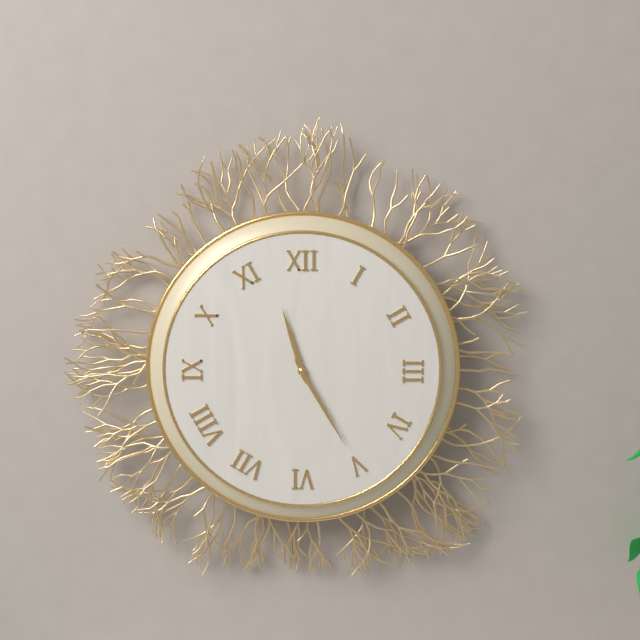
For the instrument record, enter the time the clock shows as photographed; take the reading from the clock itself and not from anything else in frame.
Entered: 11:25
